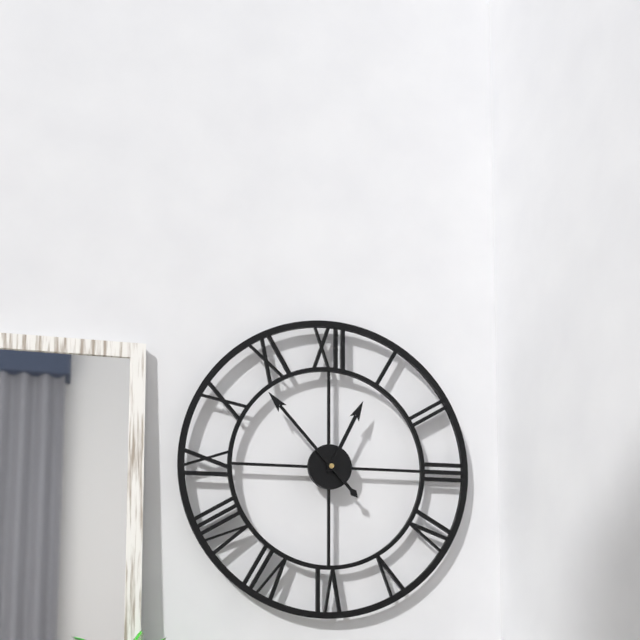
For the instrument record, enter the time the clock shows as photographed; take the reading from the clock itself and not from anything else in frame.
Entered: 12:53
